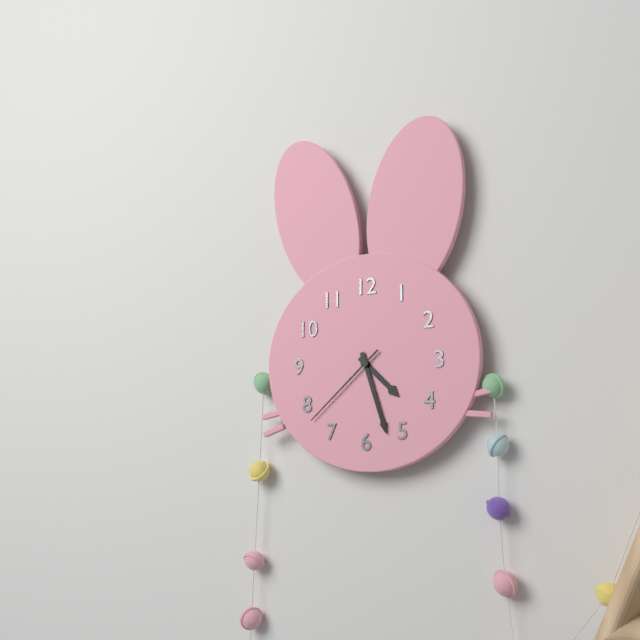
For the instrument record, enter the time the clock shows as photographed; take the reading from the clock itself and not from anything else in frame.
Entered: 4:27:38
